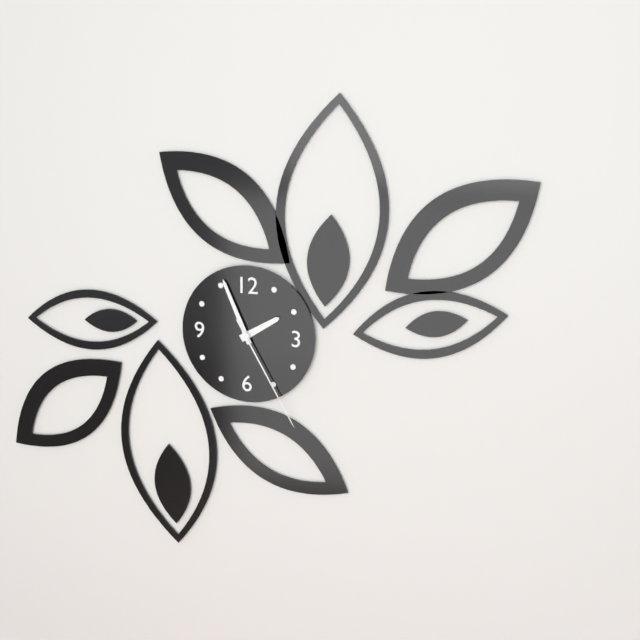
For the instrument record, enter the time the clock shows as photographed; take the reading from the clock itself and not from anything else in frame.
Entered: 1:56:25
